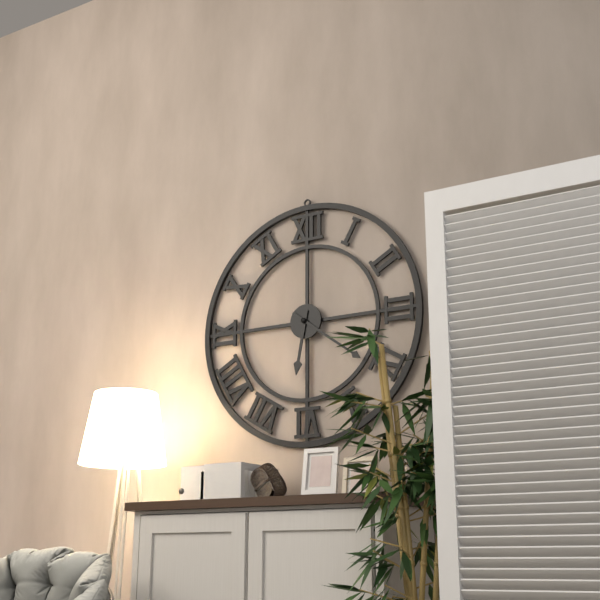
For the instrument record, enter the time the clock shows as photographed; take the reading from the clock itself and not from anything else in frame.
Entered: 6:21
